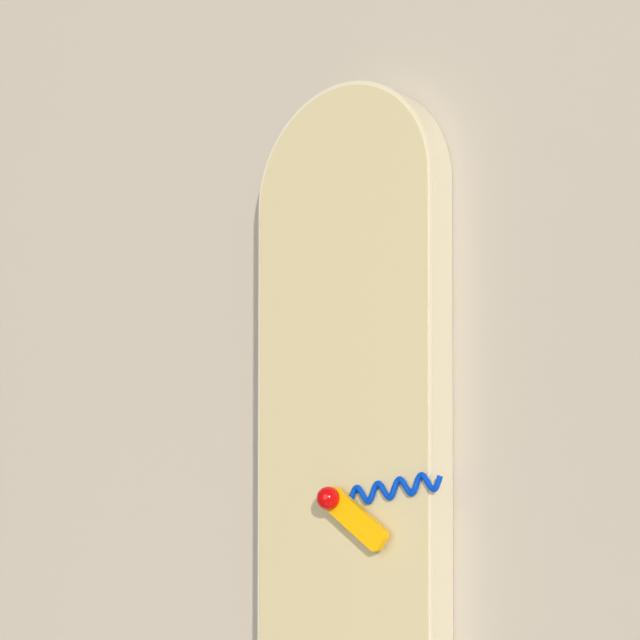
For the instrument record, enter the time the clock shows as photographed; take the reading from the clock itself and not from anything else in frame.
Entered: 4:14
